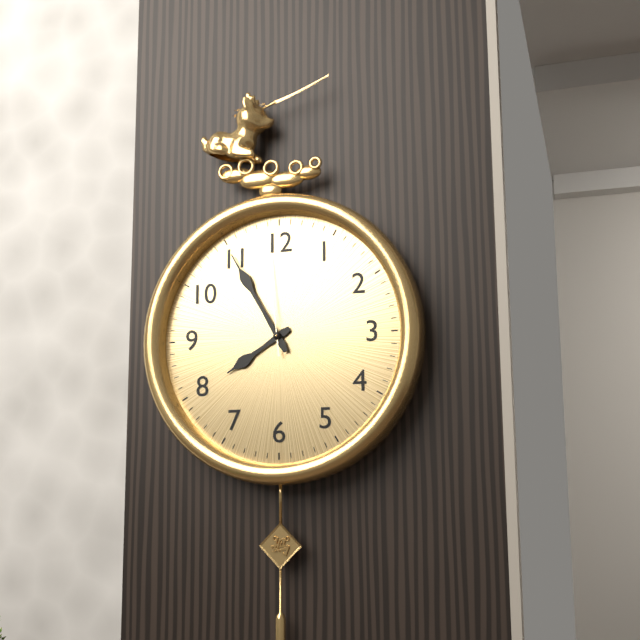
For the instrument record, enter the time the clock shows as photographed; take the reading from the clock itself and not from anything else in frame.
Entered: 7:55:59
